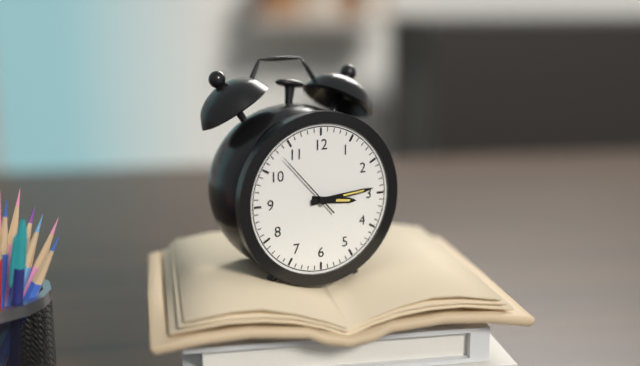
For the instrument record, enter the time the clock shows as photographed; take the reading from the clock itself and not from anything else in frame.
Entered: 3:14:53
